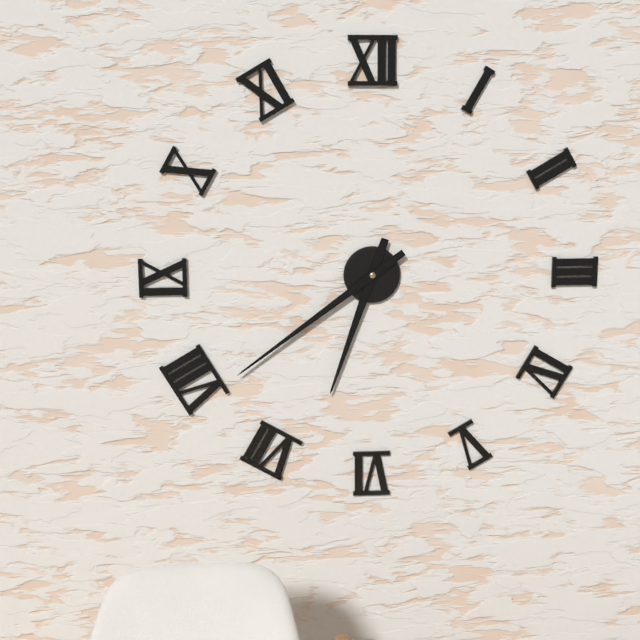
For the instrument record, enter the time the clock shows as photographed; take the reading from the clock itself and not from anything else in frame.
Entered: 6:39
